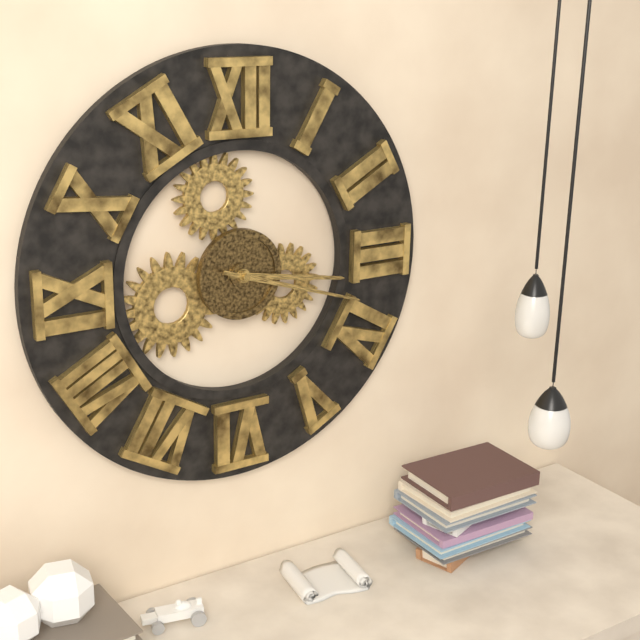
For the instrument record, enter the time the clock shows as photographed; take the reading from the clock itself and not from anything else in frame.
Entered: 3:18
